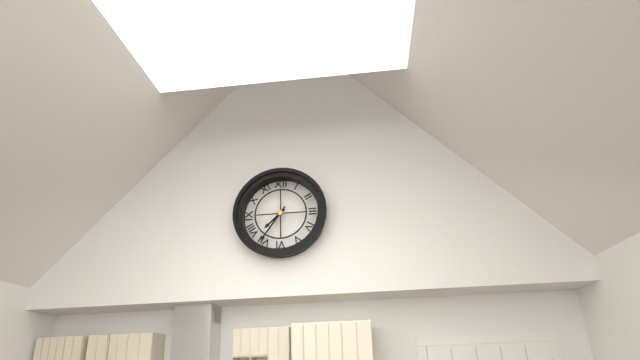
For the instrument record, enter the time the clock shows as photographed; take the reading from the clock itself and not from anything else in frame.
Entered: 7:36
